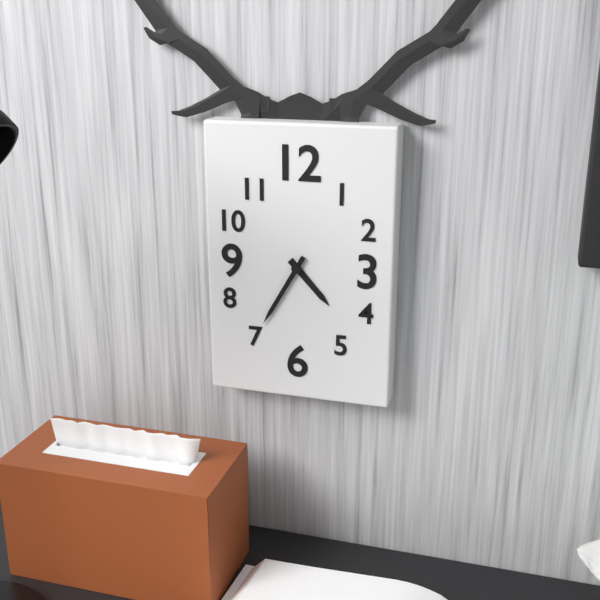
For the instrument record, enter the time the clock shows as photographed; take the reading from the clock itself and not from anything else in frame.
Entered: 4:35
